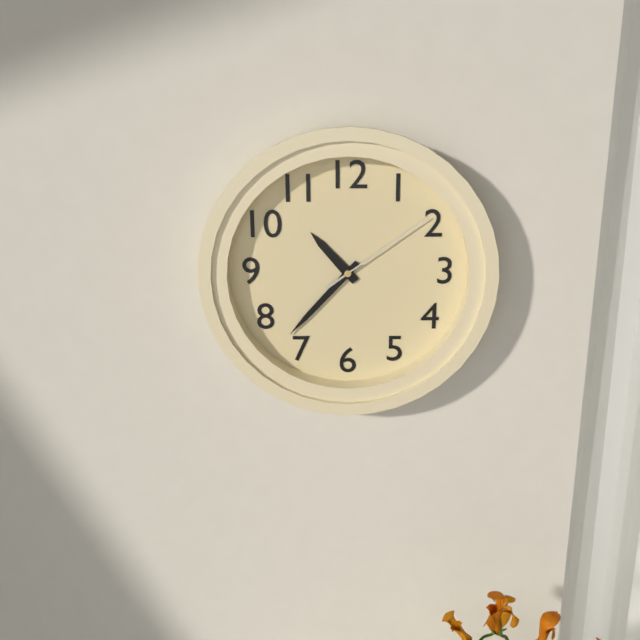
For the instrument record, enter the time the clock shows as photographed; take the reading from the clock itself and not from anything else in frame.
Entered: 10:37:09
